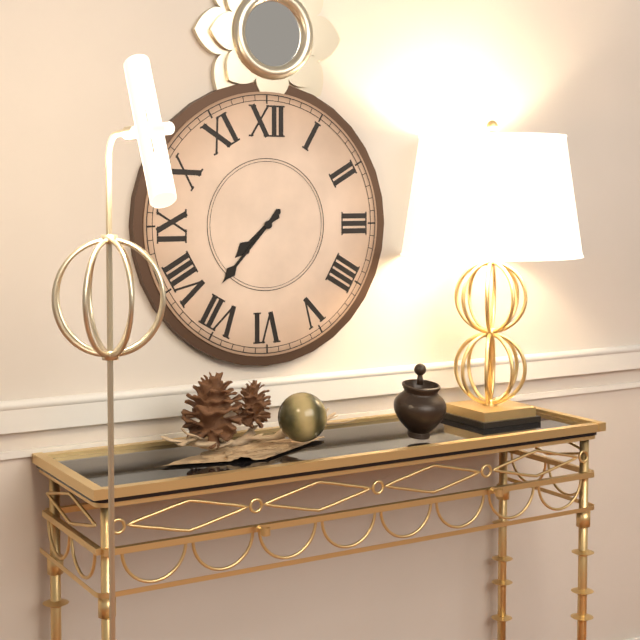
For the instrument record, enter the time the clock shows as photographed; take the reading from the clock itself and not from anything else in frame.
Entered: 7:37
